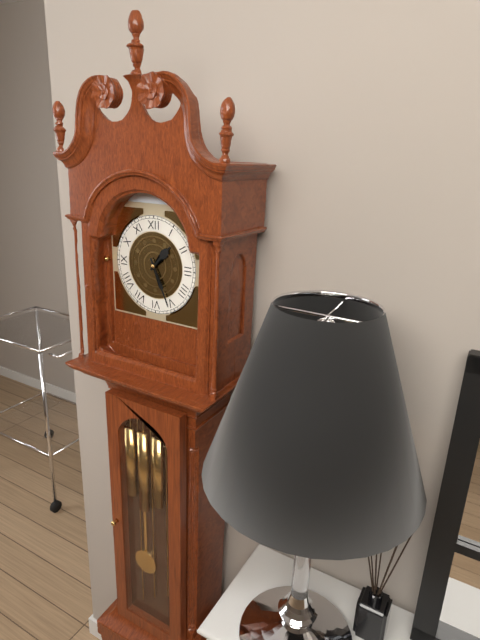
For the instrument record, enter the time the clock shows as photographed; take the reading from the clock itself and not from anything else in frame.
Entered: 1:26
